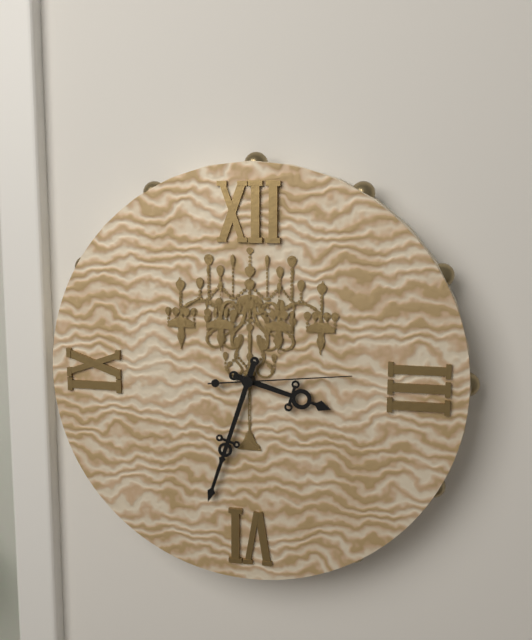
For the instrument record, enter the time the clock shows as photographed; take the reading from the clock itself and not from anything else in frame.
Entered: 3:33:14
